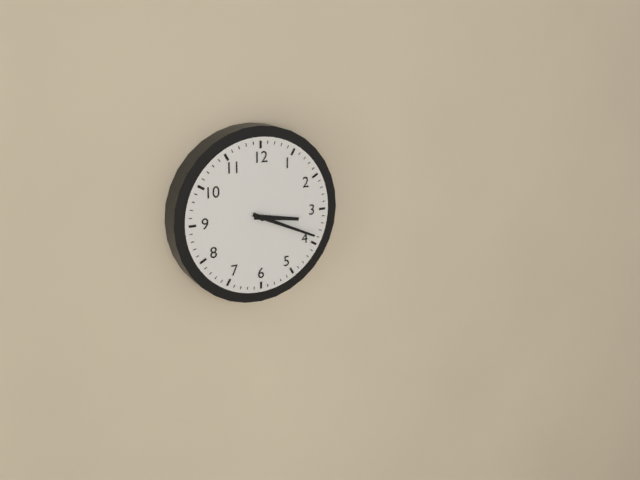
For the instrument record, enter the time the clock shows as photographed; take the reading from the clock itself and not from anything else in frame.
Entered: 3:19
